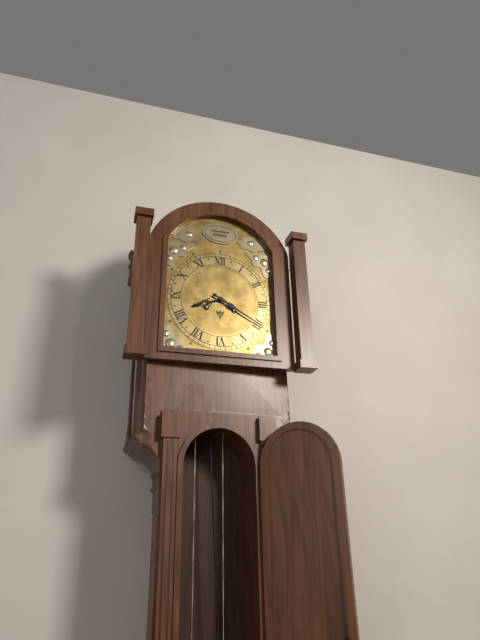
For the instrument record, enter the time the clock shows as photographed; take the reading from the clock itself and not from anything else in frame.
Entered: 8:20
